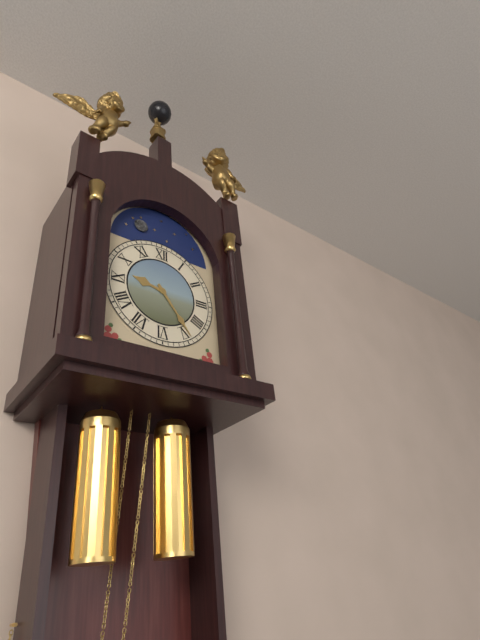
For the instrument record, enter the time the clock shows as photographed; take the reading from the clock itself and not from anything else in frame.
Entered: 9:24
